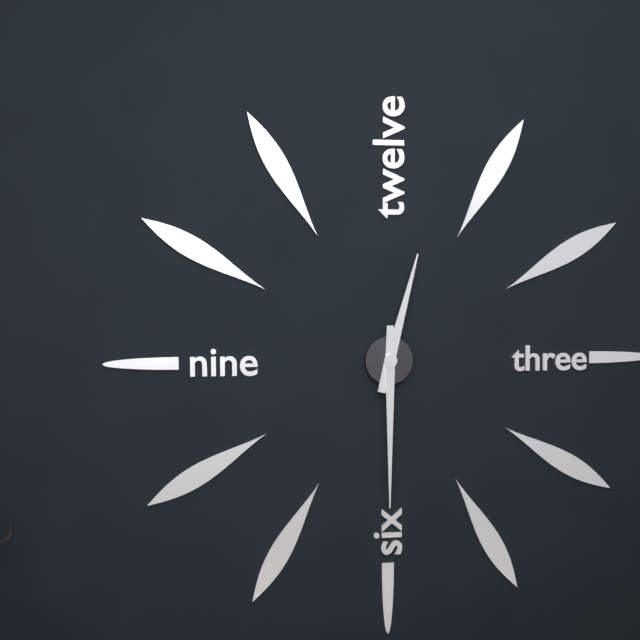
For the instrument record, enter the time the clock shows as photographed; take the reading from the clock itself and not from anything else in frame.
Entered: 12:30
